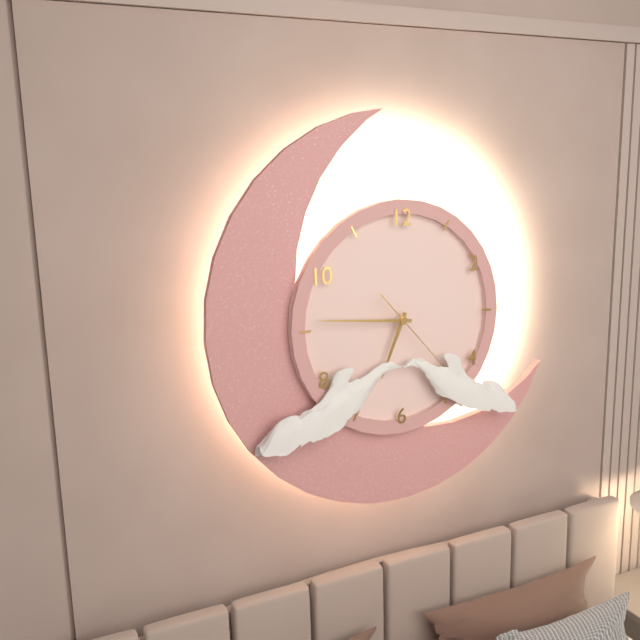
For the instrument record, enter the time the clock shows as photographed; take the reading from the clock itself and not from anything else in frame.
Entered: 6:46
